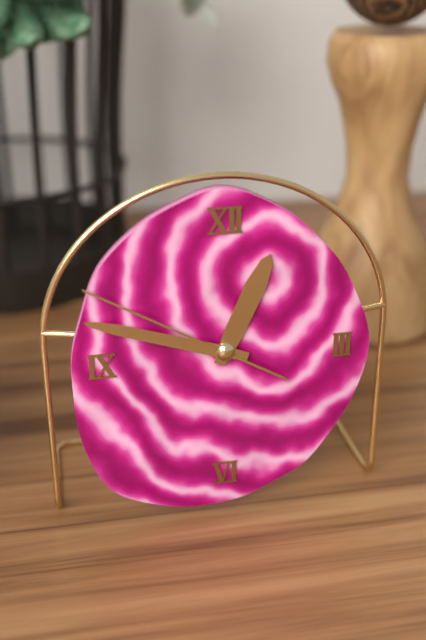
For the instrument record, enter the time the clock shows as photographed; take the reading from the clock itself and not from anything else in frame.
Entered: 12:48:50
